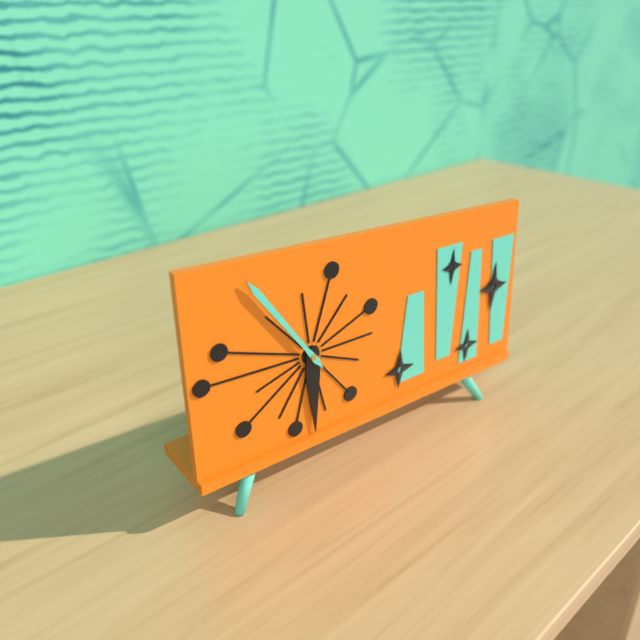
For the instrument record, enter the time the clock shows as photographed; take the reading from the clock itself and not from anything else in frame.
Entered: 5:54
